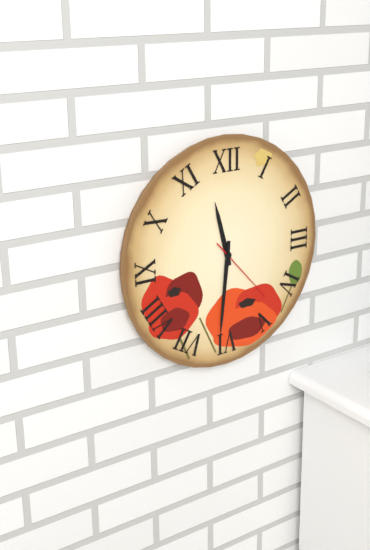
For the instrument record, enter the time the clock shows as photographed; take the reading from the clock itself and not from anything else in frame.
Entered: 11:31:23
